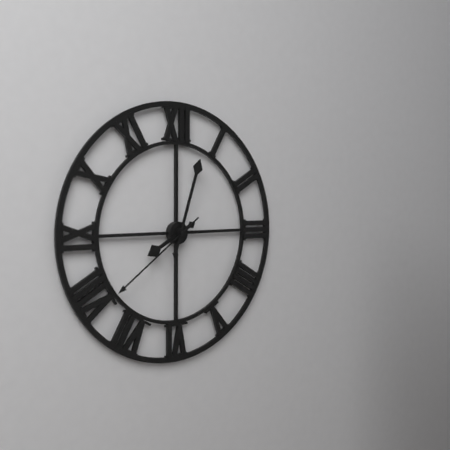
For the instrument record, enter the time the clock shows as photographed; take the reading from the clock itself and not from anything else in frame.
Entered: 8:03:39
